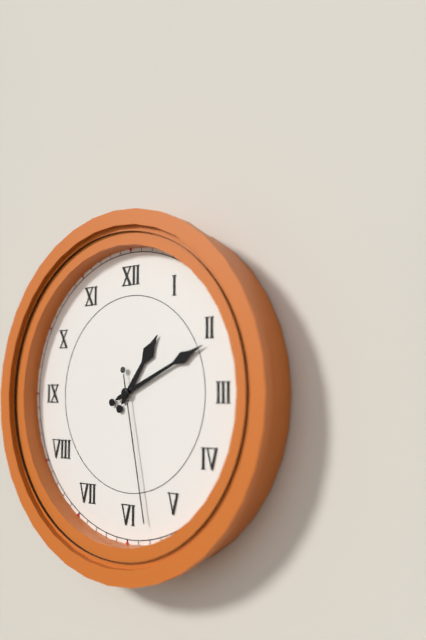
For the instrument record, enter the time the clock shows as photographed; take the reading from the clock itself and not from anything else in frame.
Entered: 1:11:28
